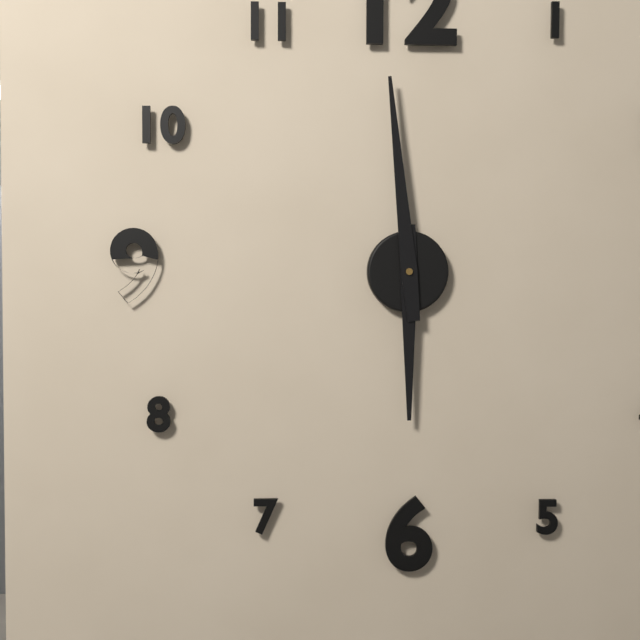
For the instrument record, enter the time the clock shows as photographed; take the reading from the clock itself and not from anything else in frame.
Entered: 5:59
